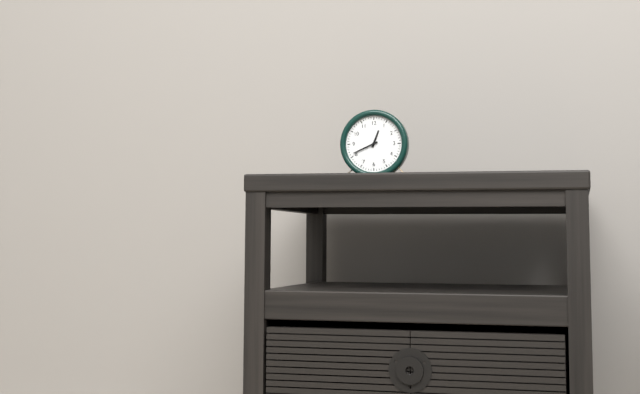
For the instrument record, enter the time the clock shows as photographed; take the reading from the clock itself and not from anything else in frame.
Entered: 12:41
